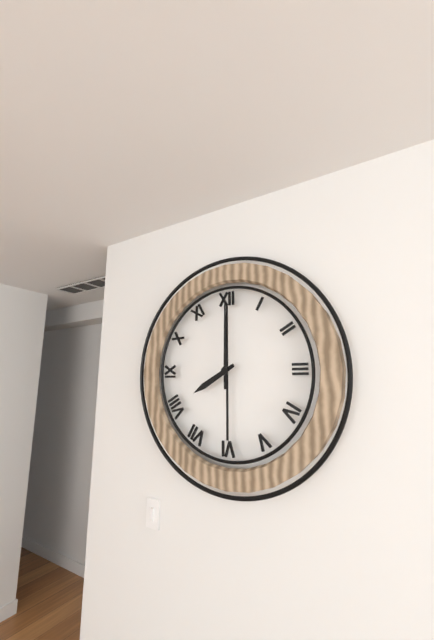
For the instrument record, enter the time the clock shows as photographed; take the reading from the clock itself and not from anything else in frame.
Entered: 8:00
